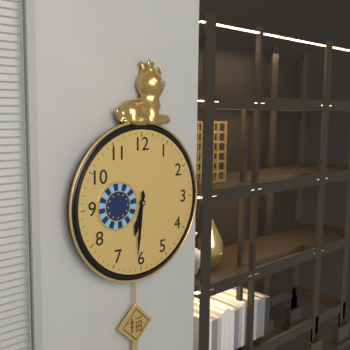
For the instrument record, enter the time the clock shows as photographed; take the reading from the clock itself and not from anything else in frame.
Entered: 6:31
